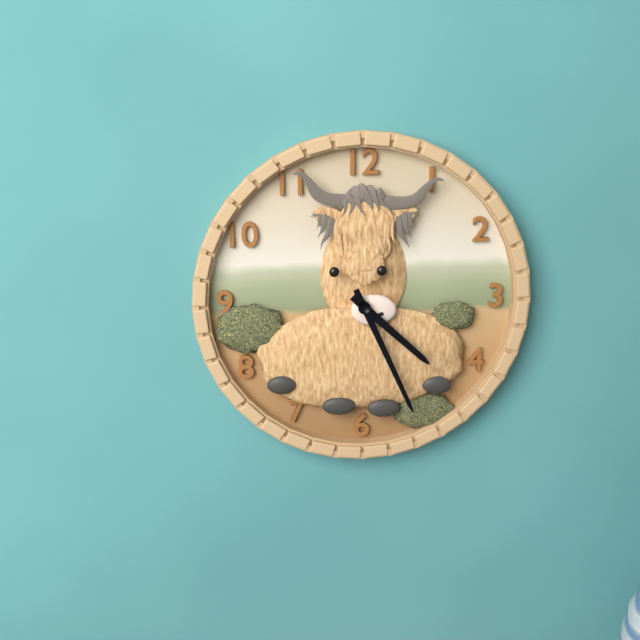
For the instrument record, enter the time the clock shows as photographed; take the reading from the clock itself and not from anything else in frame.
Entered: 4:26
